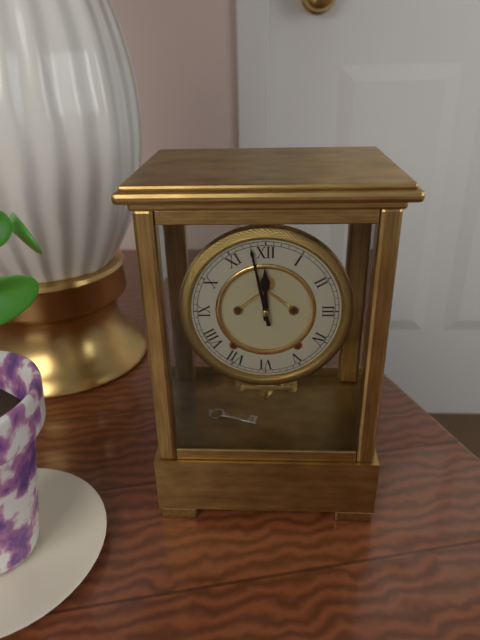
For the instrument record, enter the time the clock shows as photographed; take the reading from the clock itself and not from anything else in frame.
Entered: 11:58
